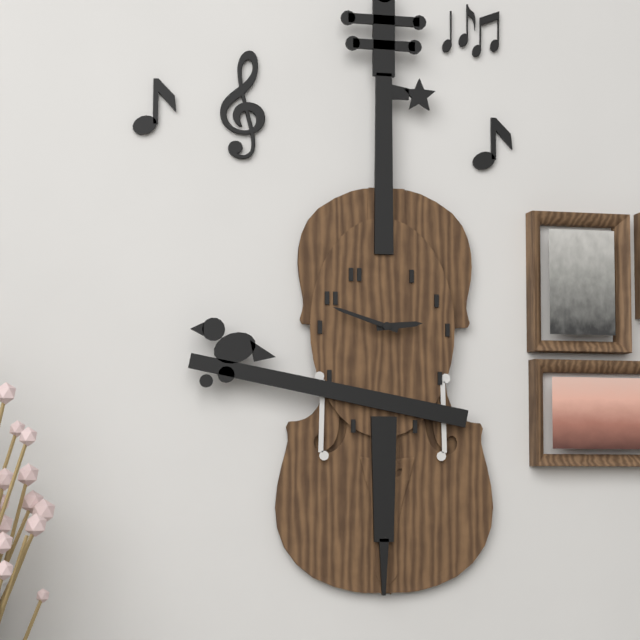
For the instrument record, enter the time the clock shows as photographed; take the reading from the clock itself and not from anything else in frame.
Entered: 2:48
